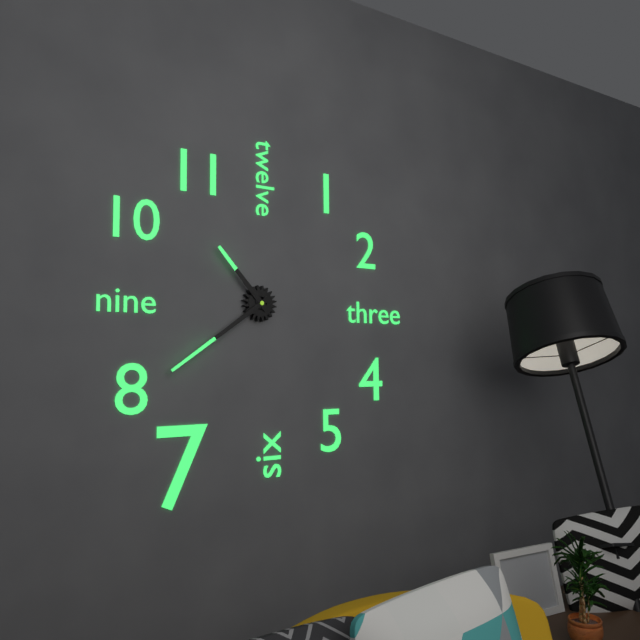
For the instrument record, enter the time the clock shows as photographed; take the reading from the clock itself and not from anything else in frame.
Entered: 10:39
